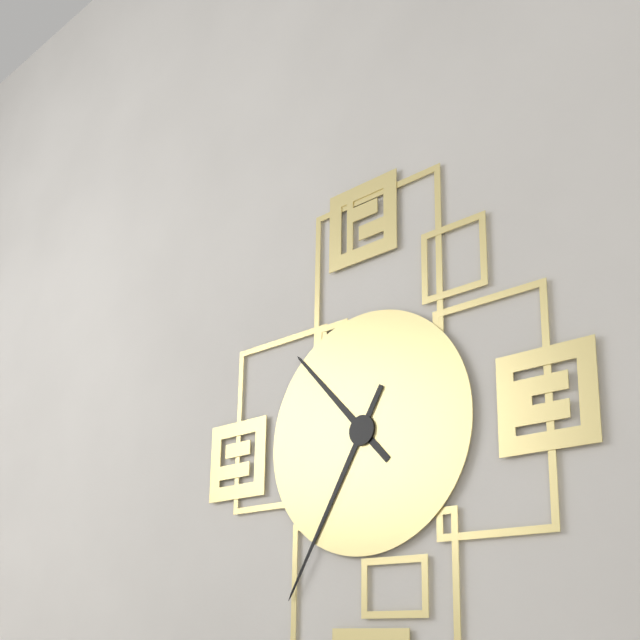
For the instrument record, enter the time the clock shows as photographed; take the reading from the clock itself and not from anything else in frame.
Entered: 10:35
